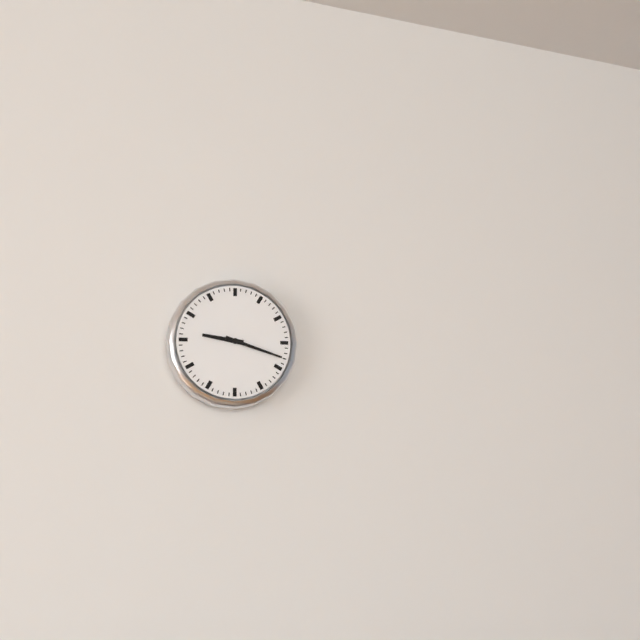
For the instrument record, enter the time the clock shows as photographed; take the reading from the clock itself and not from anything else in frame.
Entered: 9:18
